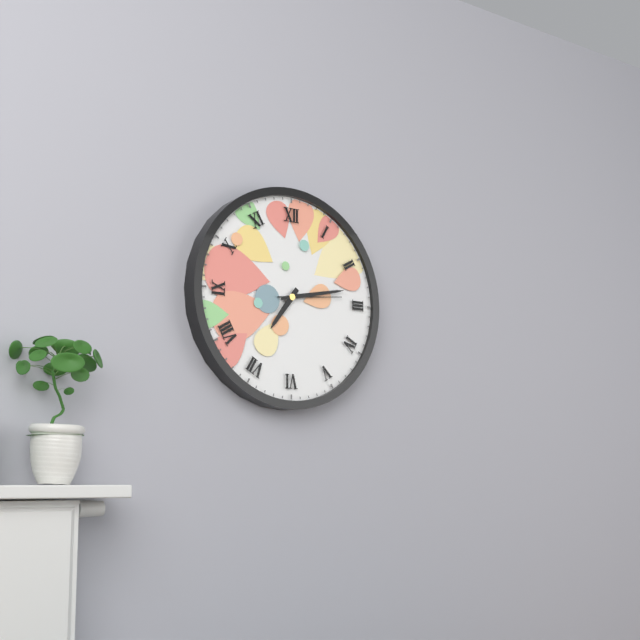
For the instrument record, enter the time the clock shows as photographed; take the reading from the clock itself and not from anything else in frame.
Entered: 7:13:14
